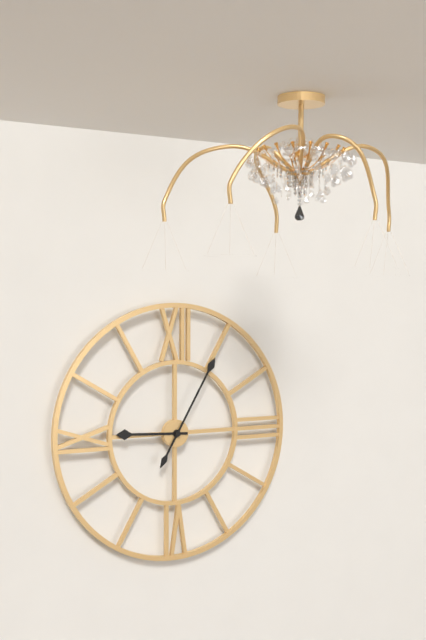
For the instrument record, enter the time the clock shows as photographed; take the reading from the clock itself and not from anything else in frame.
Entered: 9:05
